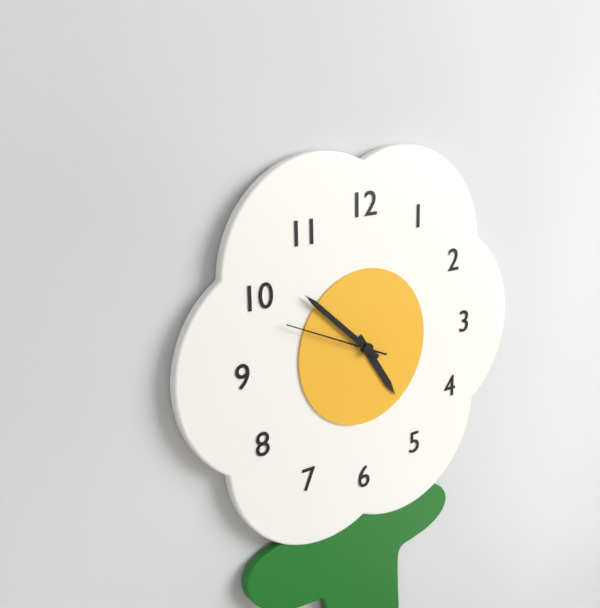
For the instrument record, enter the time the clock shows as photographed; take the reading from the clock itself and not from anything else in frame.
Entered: 4:52:49
